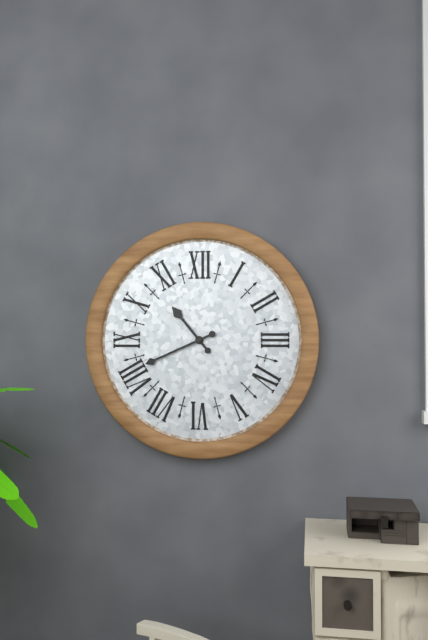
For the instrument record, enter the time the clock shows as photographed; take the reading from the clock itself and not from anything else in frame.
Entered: 10:41
